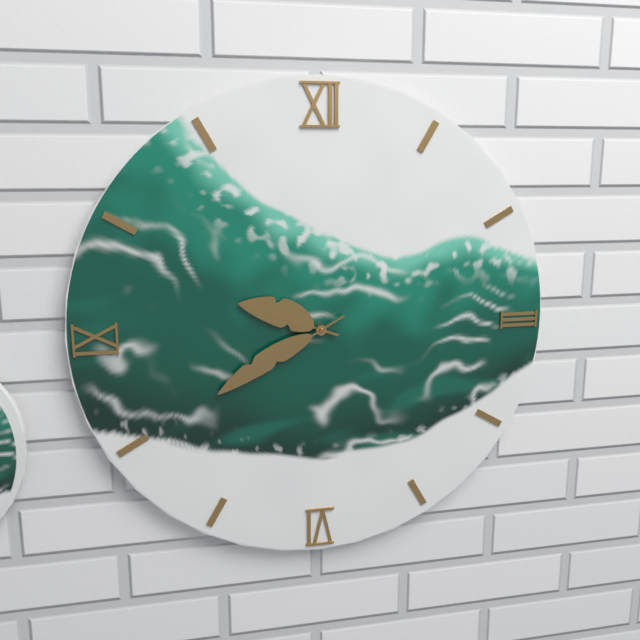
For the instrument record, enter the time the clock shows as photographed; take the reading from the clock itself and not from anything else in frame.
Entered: 9:40
